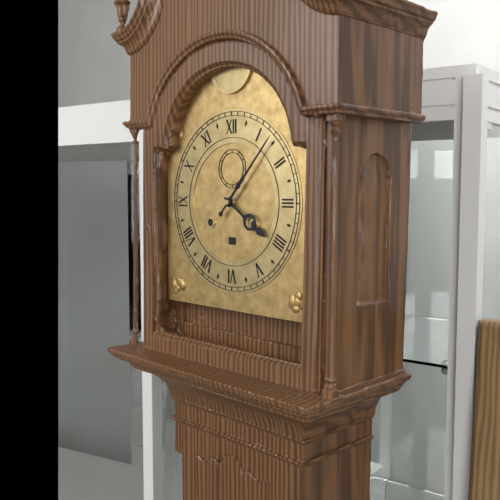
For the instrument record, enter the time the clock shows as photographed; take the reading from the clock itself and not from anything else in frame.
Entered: 4:07
